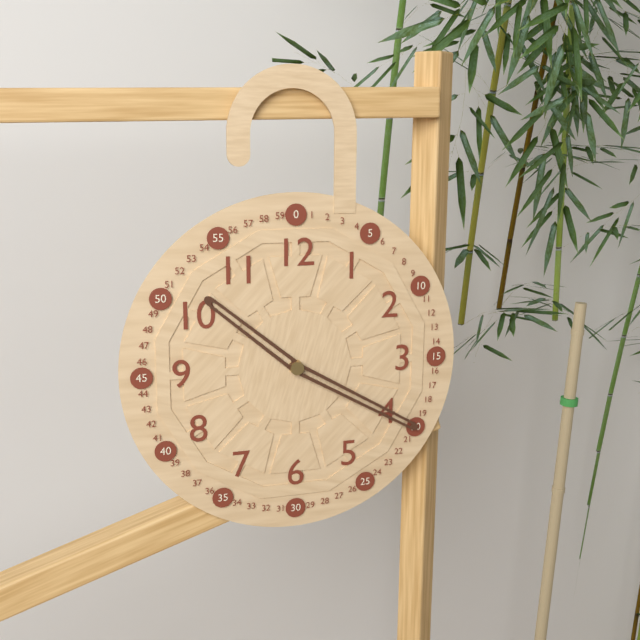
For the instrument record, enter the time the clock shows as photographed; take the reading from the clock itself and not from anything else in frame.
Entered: 10:20
